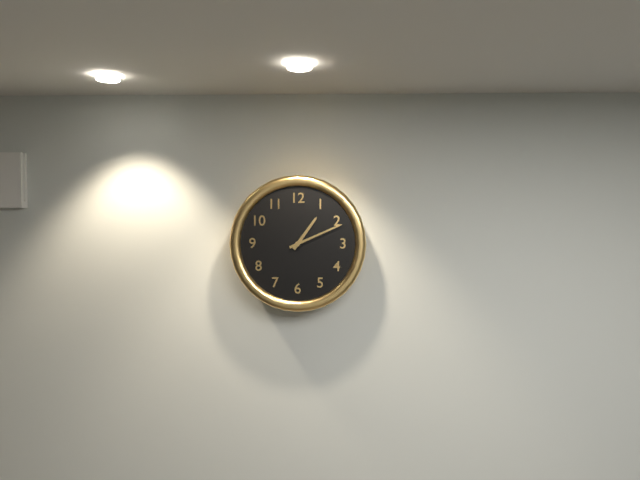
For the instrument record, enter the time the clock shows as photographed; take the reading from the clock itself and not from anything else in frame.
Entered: 1:11
